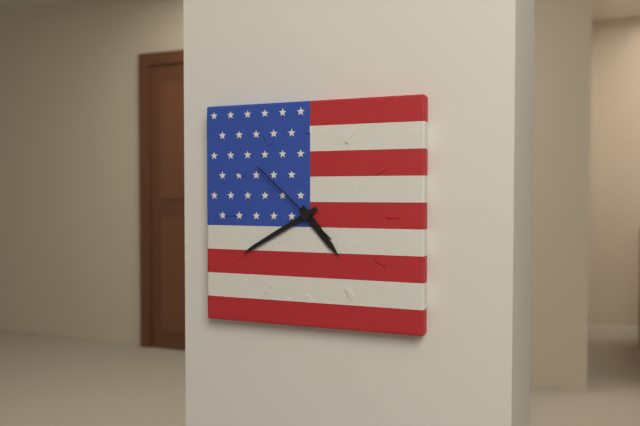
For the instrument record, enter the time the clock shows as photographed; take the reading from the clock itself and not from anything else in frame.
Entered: 4:40:52
